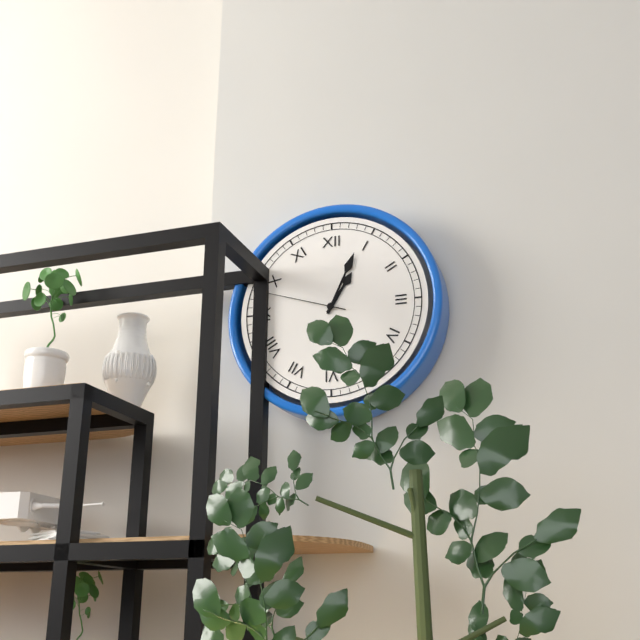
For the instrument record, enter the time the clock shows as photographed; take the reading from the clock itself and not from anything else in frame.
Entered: 1:04:48
